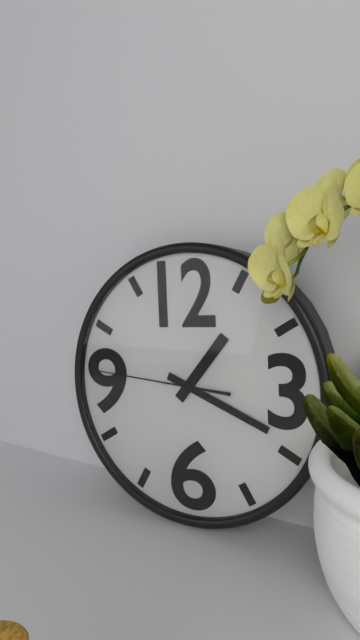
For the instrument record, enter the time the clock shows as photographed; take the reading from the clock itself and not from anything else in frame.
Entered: 1:19:46
